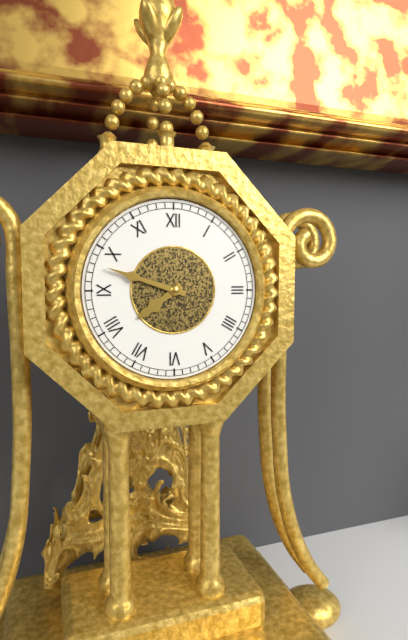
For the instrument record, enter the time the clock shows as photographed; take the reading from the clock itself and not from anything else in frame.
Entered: 7:48
